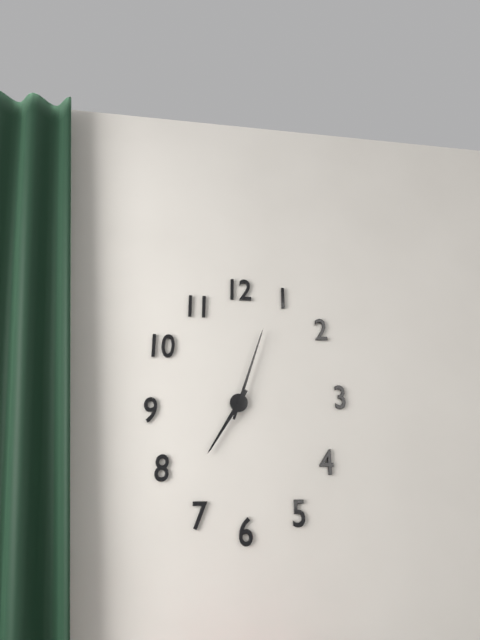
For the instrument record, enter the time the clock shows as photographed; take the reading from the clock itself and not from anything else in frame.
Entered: 7:03
